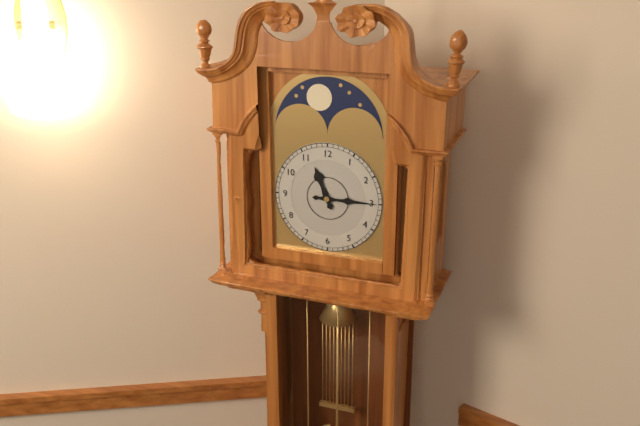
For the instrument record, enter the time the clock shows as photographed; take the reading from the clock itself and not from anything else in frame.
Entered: 11:15
